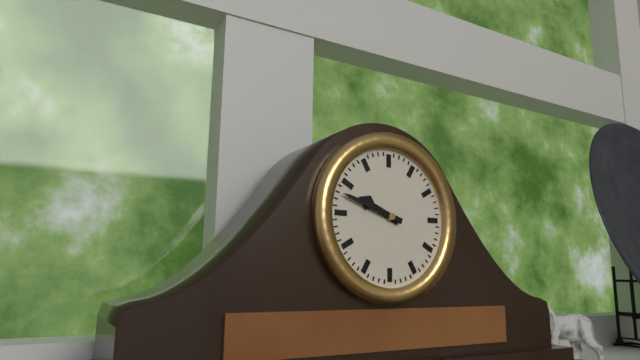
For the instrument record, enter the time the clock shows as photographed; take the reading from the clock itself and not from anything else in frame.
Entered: 9:48
